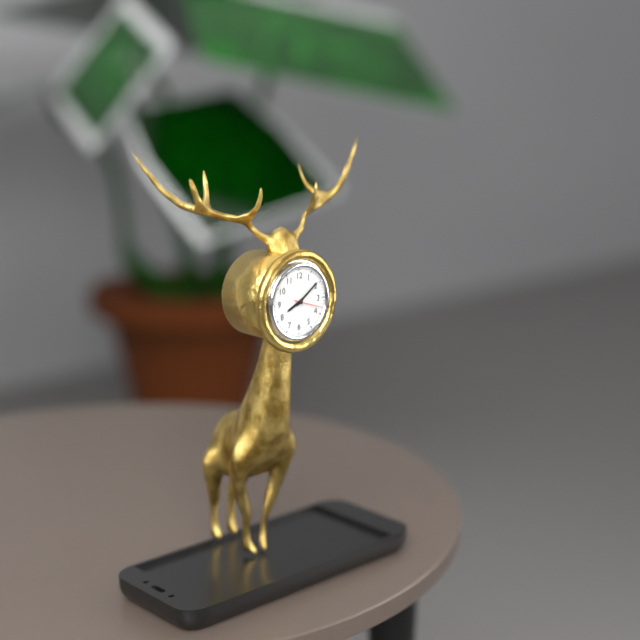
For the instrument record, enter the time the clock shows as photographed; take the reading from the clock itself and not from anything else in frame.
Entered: 8:09
